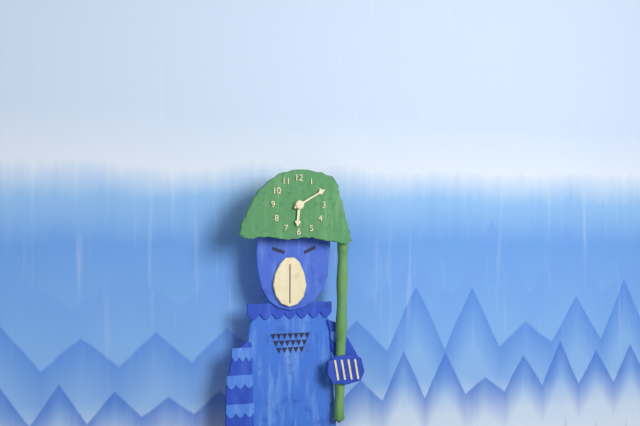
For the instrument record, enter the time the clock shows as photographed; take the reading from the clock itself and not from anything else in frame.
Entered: 6:10
